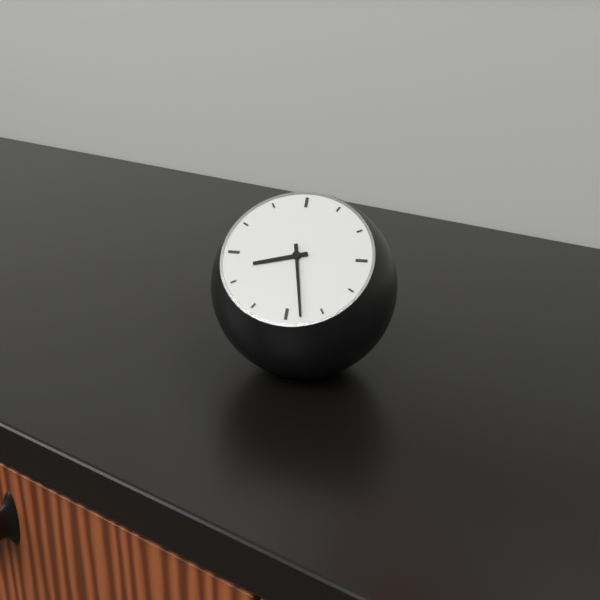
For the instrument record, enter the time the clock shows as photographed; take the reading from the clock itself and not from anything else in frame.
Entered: 8:28
